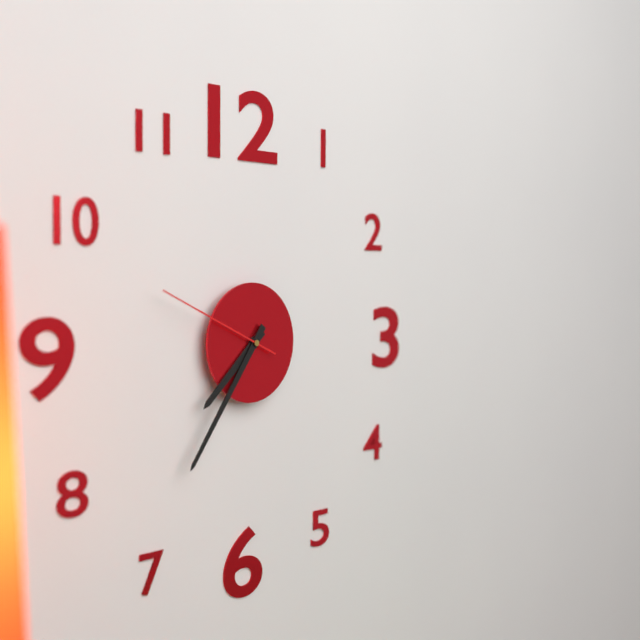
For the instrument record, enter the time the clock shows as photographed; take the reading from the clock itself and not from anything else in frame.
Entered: 7:36:49
